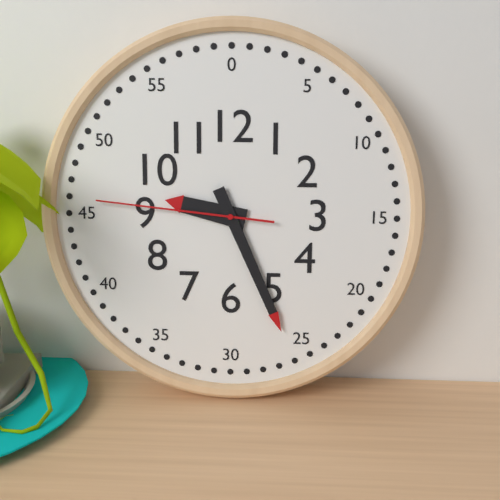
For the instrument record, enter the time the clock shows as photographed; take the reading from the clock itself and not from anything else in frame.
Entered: 9:26:46
